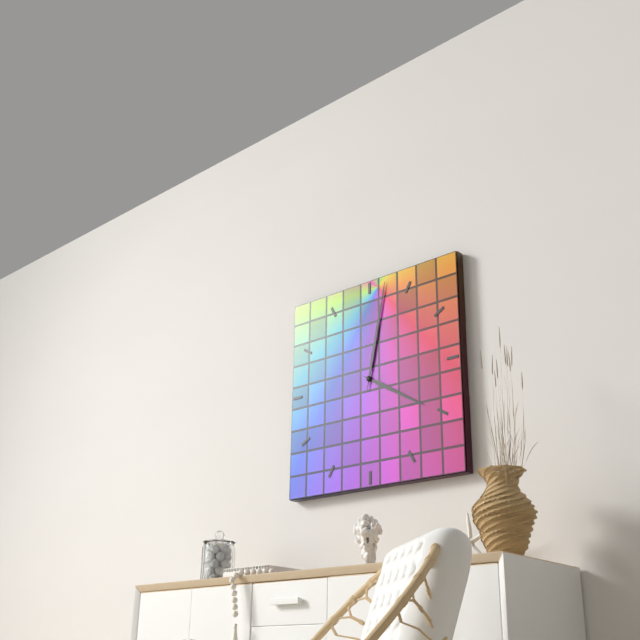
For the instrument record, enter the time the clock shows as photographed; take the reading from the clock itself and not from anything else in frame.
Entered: 4:02
